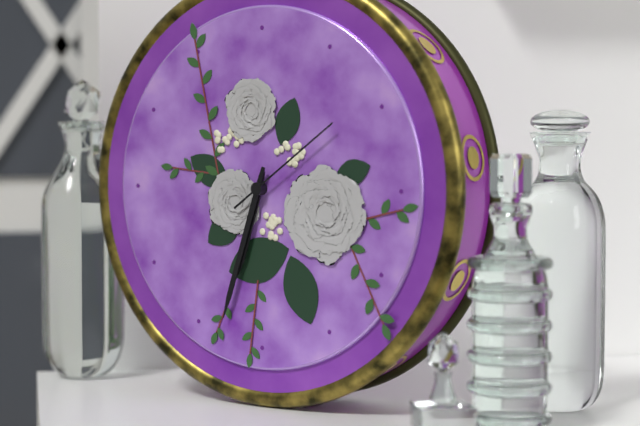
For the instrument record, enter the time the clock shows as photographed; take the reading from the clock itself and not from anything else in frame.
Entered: 6:33:09
